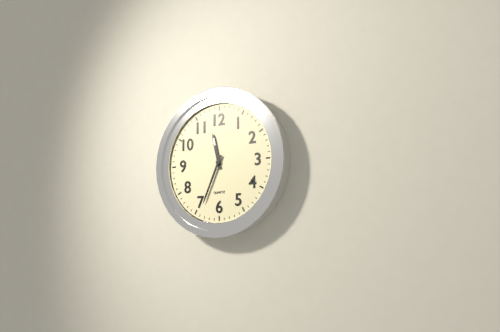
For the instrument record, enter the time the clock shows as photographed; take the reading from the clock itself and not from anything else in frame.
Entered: 11:34
